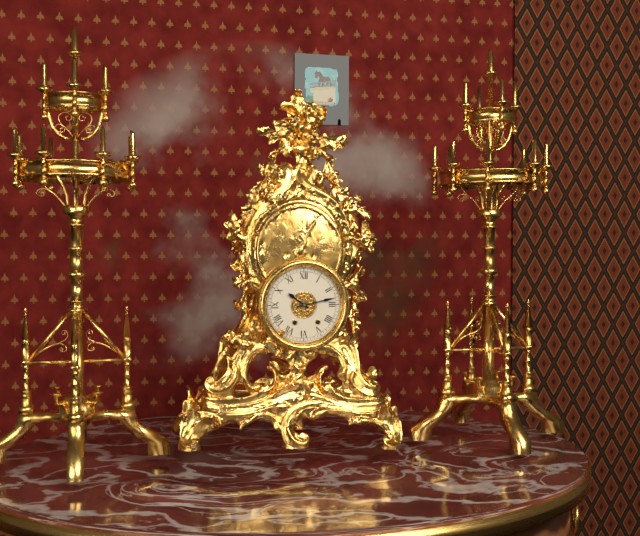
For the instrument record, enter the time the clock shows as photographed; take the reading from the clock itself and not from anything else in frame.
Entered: 10:13
